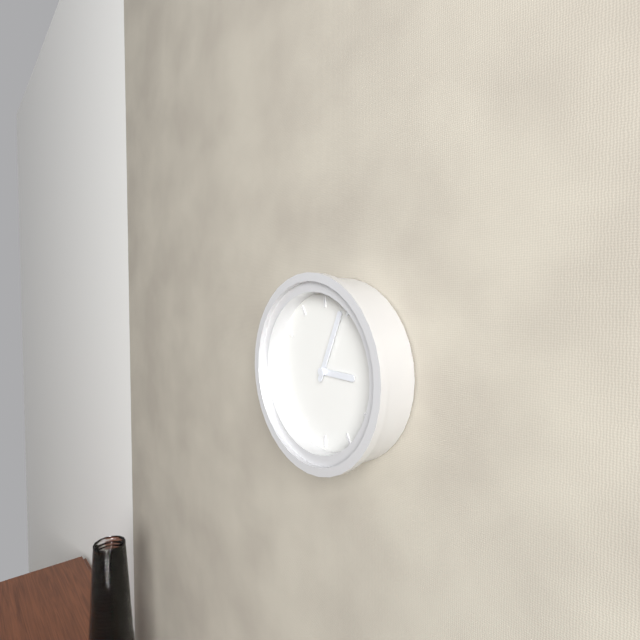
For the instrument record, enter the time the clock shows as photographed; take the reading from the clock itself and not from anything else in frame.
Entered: 3:04
